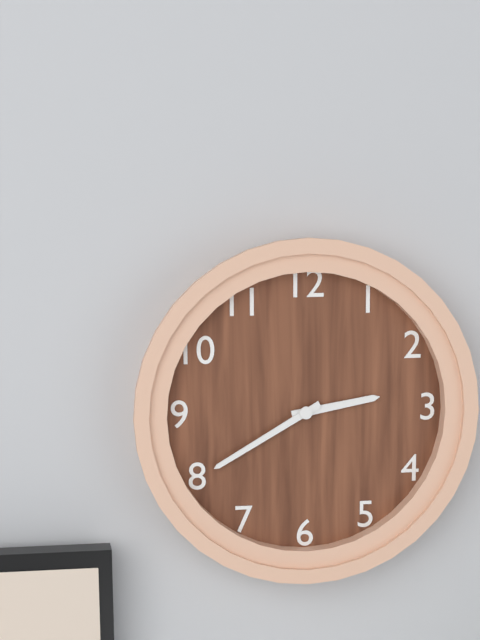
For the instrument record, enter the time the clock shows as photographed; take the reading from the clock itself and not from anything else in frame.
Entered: 2:40
